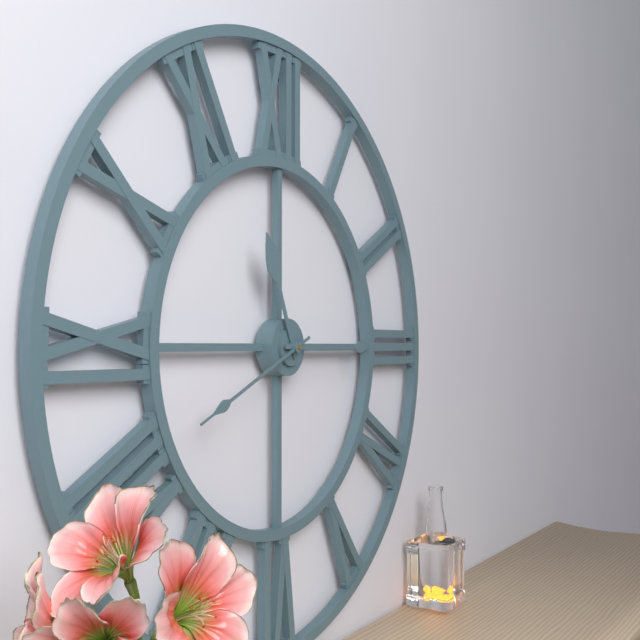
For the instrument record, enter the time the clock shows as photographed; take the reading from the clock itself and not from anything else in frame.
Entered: 11:15:41
